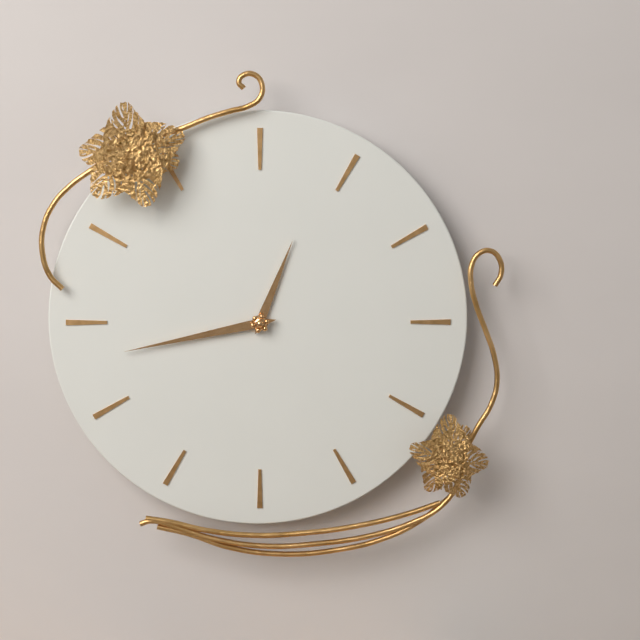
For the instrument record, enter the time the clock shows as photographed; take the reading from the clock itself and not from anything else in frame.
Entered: 12:43
